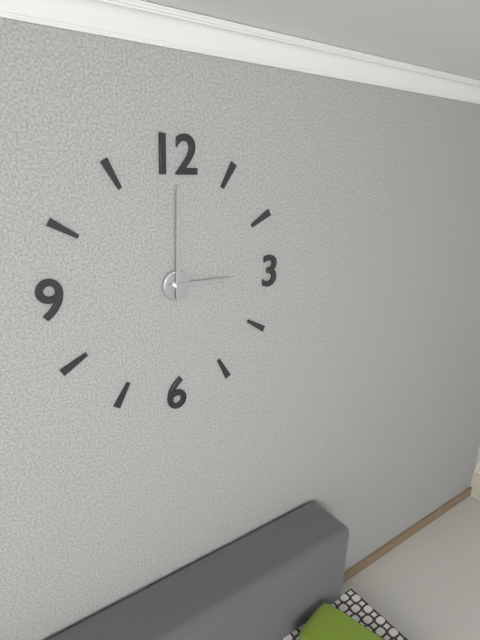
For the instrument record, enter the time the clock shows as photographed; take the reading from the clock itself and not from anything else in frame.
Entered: 3:00
